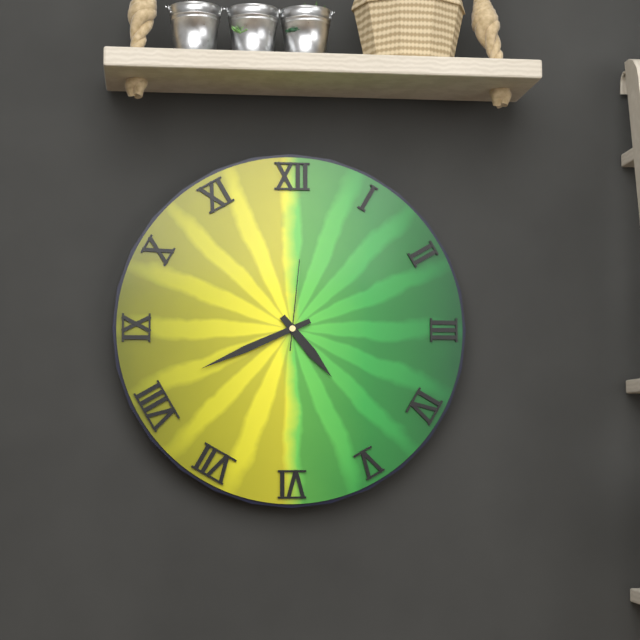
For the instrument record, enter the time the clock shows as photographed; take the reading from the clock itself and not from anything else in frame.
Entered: 4:41:01
